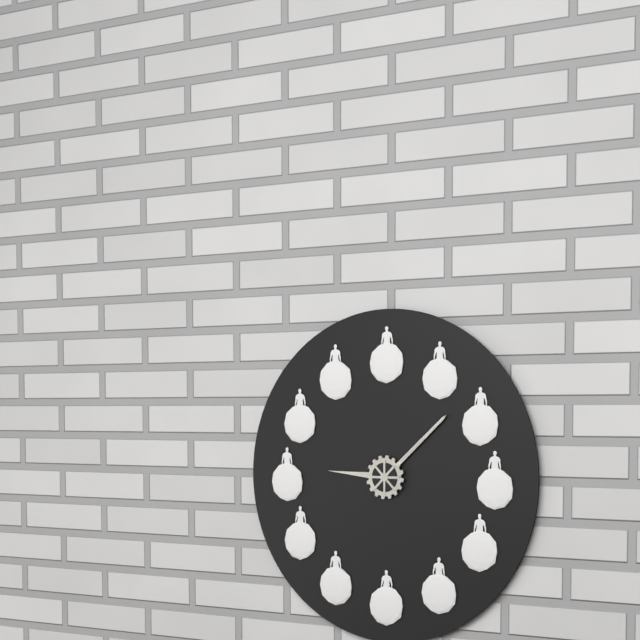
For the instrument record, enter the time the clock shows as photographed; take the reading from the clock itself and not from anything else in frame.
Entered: 9:08
